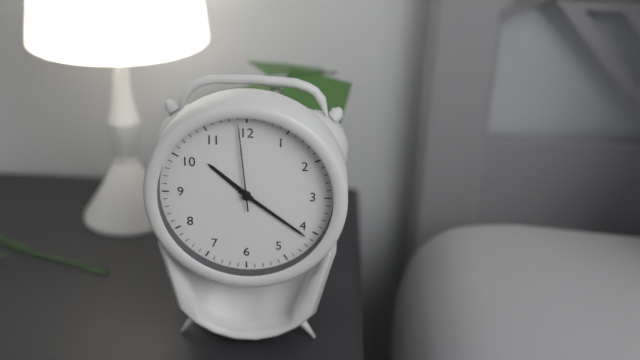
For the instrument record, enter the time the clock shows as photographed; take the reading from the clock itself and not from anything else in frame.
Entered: 10:21:59
